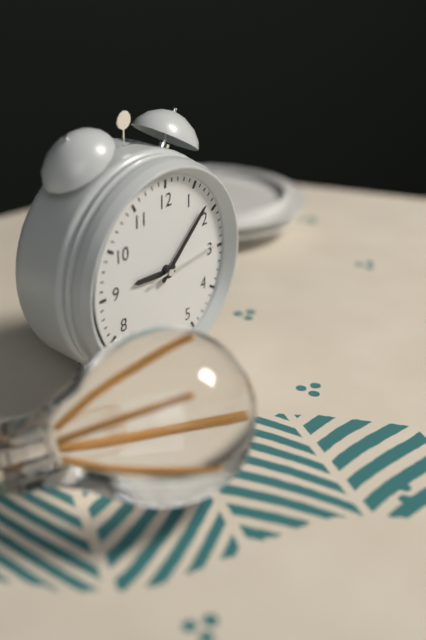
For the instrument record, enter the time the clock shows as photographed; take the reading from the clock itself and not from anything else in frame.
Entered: 9:08:14
